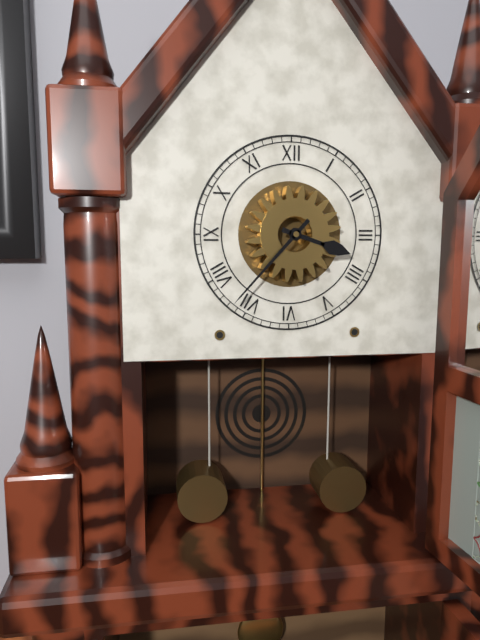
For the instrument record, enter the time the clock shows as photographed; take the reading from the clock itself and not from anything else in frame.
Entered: 3:37
